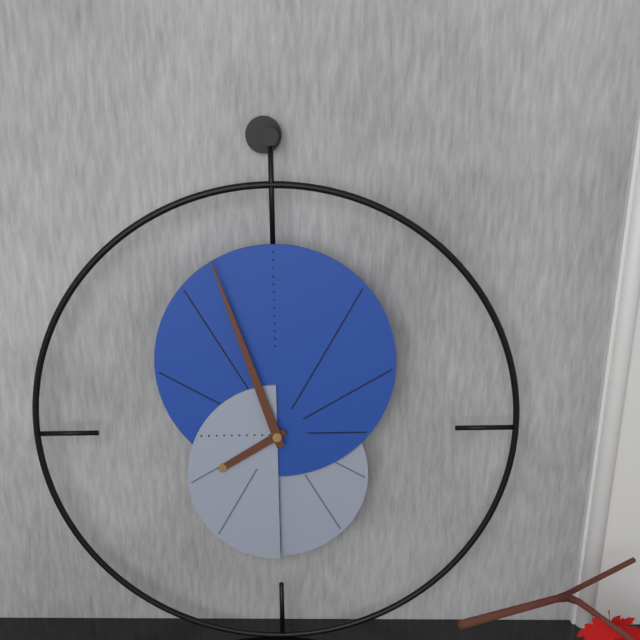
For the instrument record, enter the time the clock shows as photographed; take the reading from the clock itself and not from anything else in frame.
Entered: 7:57
